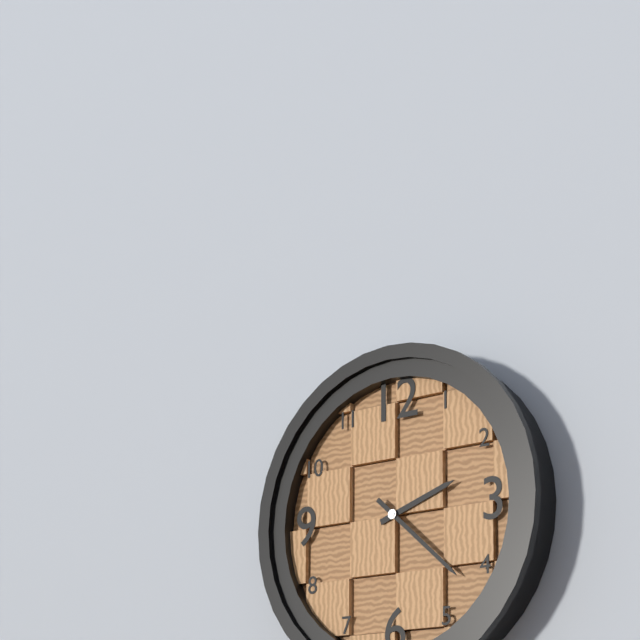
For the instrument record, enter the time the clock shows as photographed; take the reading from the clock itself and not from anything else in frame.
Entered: 2:22
